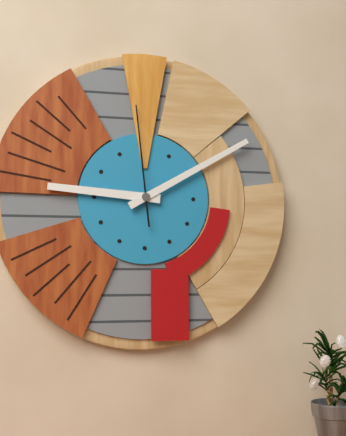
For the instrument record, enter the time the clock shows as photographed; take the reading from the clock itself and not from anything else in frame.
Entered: 9:10:59
